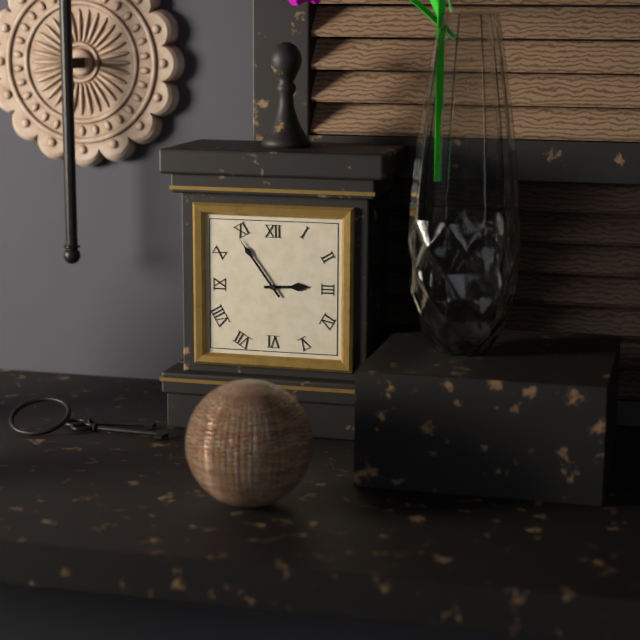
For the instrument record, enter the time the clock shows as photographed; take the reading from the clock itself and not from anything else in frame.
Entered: 2:54
